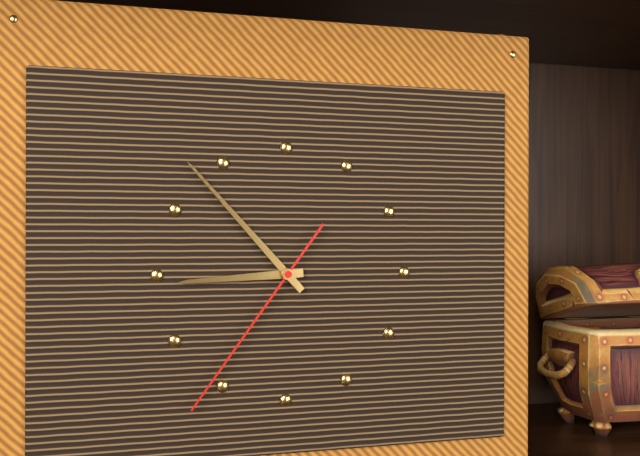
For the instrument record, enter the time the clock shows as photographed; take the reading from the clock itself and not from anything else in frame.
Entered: 8:53:36
